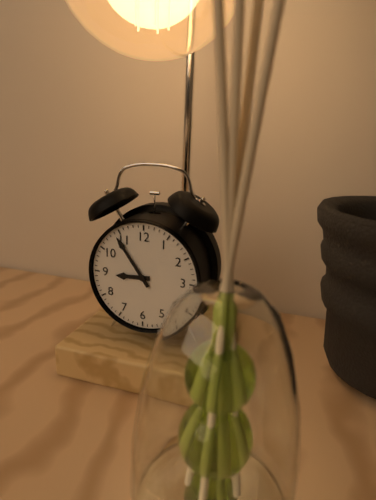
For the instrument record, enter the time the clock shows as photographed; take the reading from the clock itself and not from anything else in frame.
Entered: 8:54
